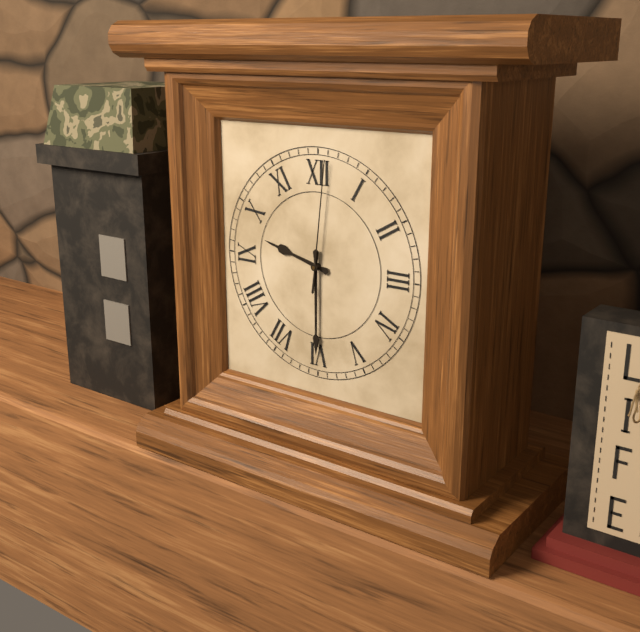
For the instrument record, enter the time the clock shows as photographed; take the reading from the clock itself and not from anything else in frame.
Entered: 9:30:01
